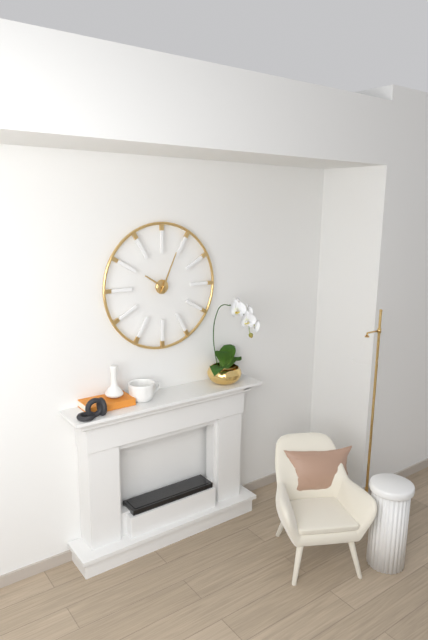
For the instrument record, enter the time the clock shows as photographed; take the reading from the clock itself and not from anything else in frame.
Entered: 10:04
